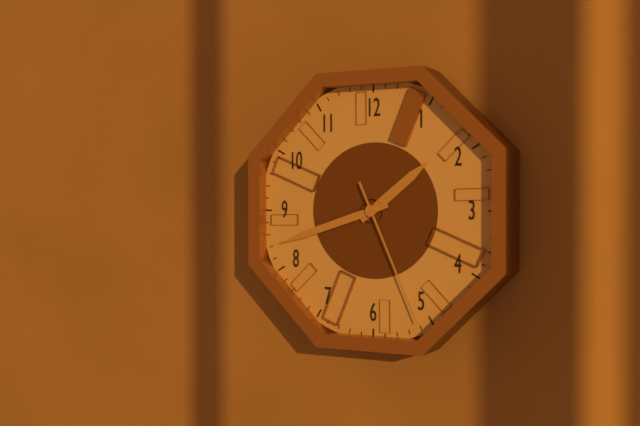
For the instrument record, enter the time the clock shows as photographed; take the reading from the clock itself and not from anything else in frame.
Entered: 1:42:26
